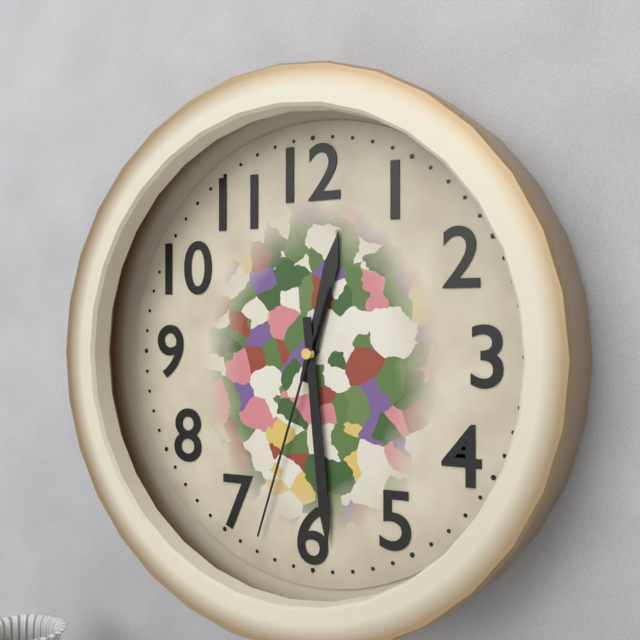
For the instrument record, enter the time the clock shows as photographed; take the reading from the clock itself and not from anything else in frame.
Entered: 12:29:33
